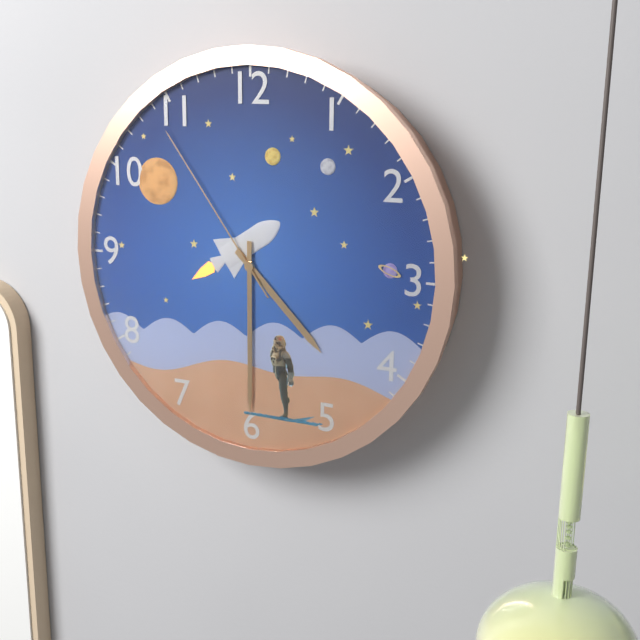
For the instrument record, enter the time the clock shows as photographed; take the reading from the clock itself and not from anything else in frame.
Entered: 4:30:54
